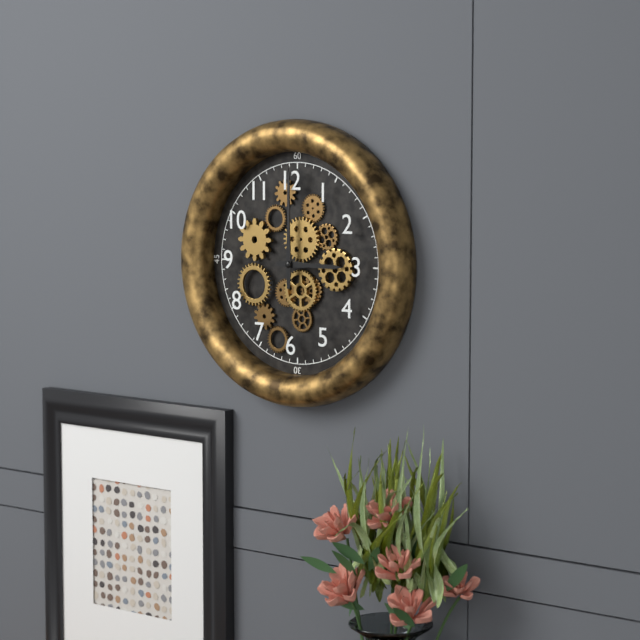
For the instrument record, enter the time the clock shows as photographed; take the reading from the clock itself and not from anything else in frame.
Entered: 3:00
